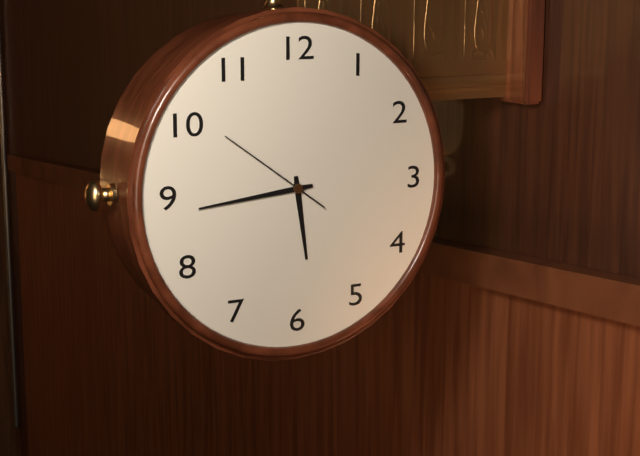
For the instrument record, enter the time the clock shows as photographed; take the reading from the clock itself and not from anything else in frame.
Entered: 5:44:51
